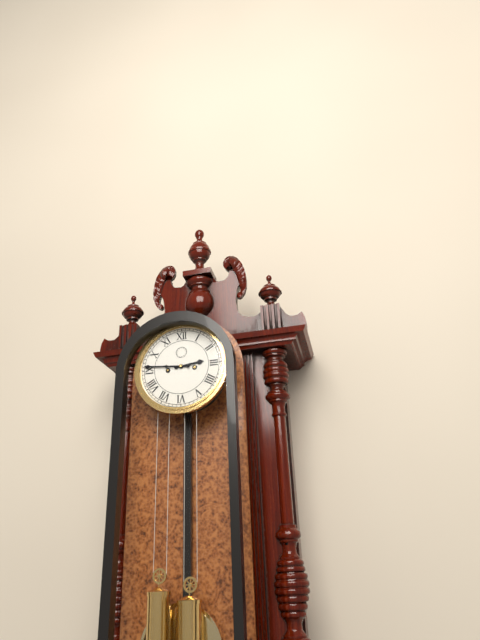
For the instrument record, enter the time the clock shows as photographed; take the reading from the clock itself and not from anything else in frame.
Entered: 2:46
